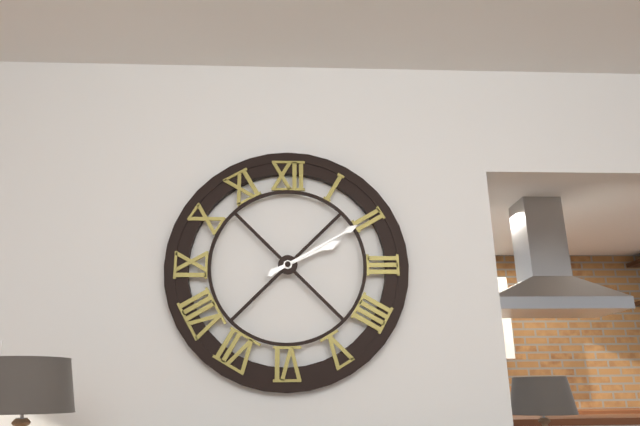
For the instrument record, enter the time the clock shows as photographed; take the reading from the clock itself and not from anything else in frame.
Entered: 2:10
